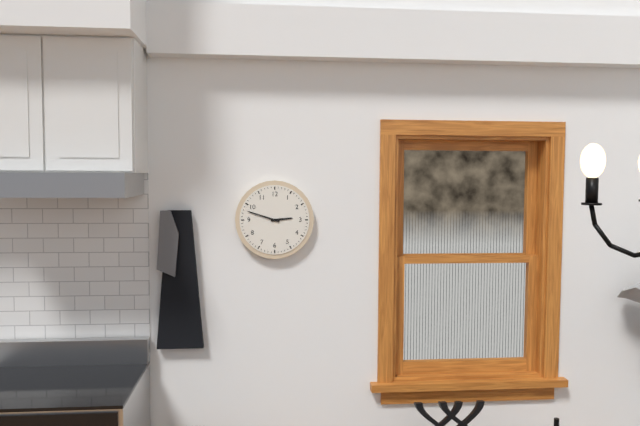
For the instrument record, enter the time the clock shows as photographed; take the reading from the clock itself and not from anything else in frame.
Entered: 2:48
